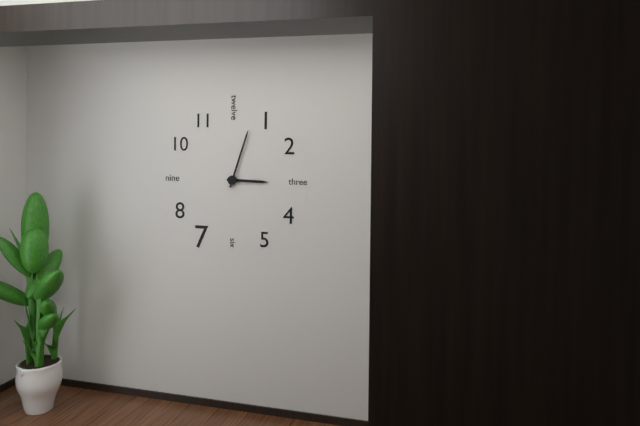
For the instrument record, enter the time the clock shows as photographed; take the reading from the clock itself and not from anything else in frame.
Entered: 3:03
